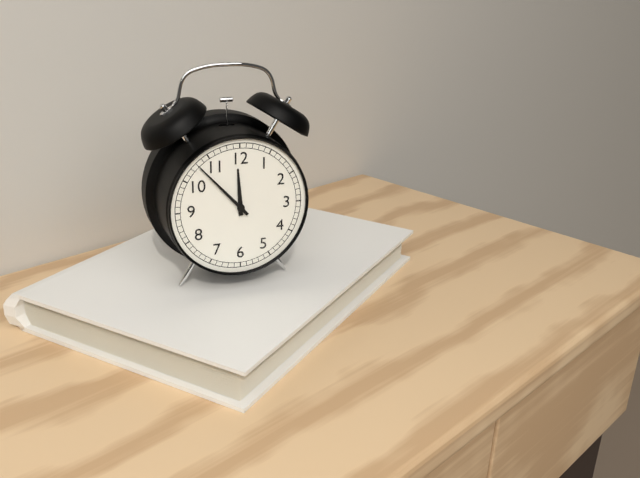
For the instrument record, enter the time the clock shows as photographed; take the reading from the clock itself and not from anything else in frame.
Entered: 11:53
